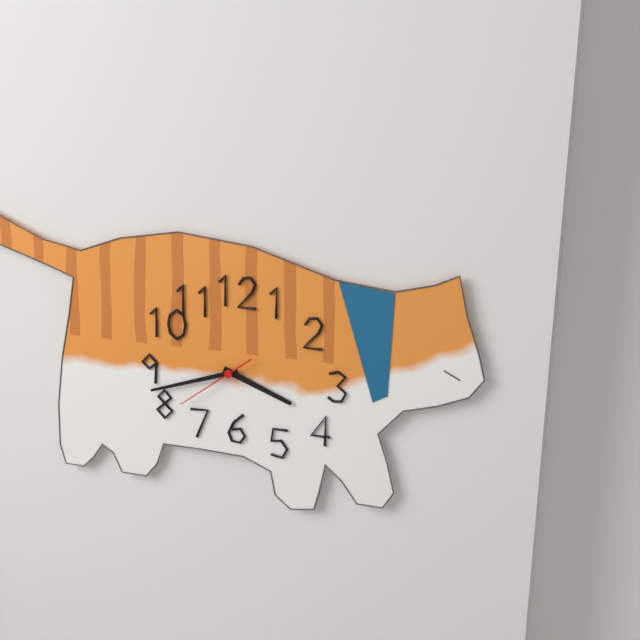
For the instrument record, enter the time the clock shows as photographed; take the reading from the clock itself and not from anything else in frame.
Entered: 3:42:39
